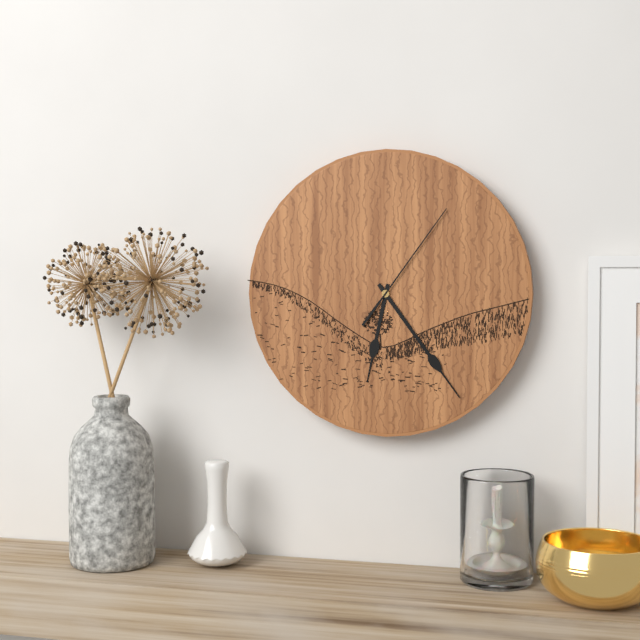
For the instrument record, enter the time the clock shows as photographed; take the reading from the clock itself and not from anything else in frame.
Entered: 6:24:06
